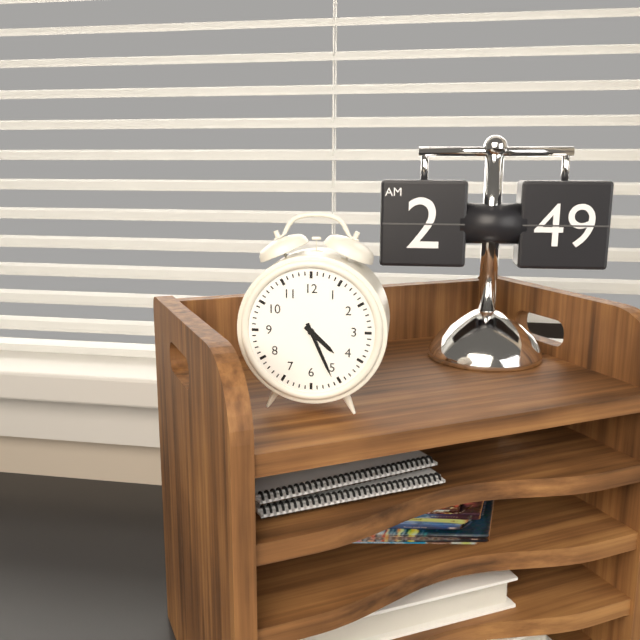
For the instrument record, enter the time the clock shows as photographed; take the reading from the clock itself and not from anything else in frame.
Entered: 4:26
